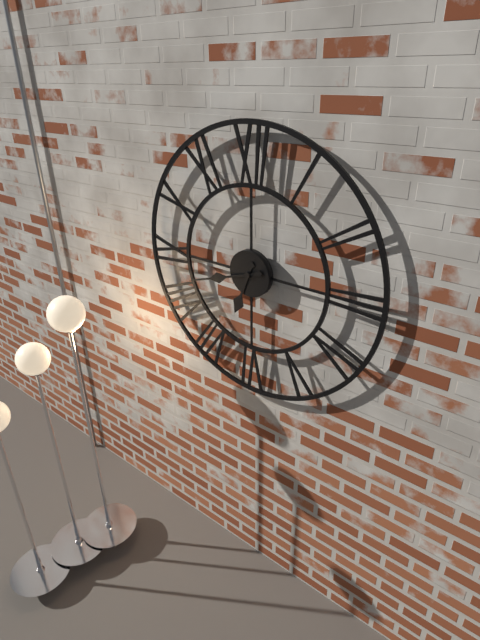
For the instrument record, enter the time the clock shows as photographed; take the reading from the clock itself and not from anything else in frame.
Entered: 6:42
